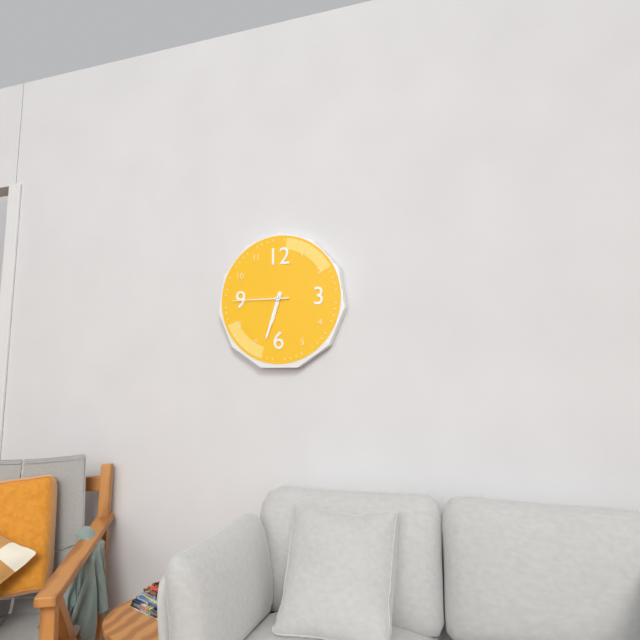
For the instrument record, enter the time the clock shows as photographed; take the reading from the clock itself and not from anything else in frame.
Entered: 6:33:45
